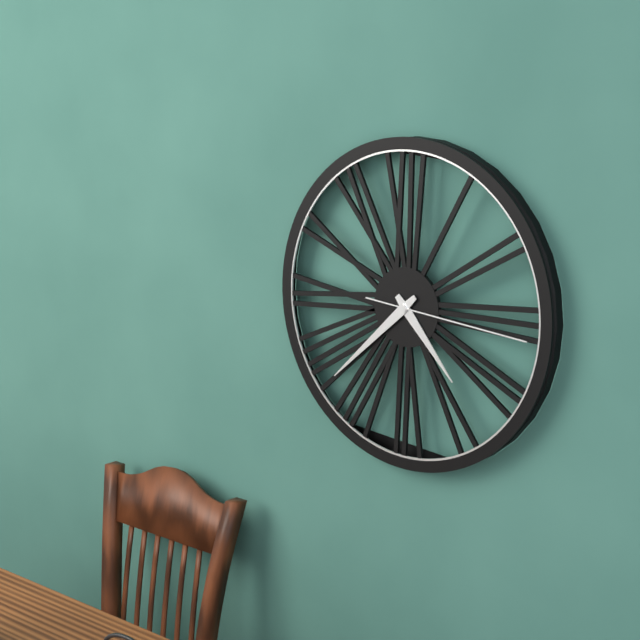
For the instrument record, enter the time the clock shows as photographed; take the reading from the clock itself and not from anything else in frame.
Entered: 4:38:16
